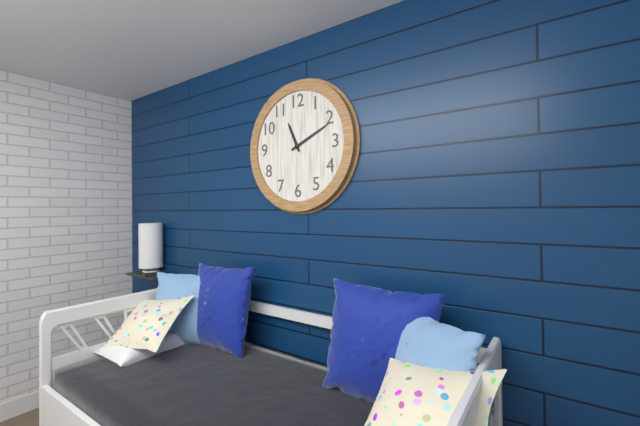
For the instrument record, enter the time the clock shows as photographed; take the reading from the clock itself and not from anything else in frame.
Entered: 11:11
